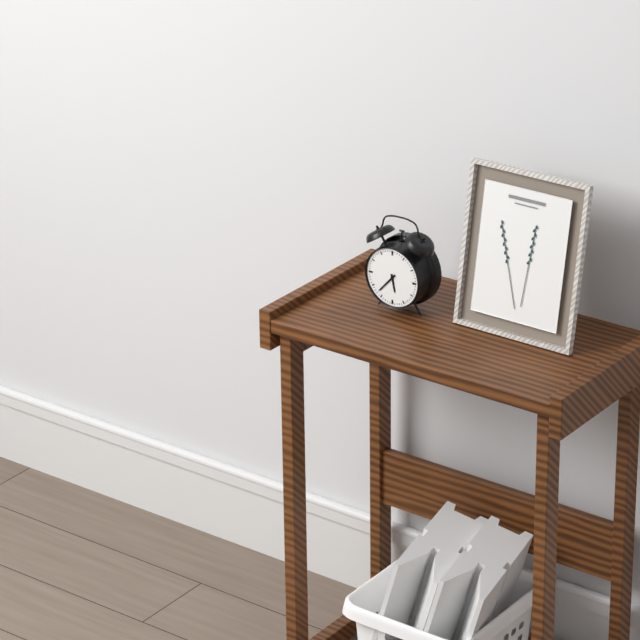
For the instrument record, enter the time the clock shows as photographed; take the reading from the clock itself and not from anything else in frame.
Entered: 5:37
